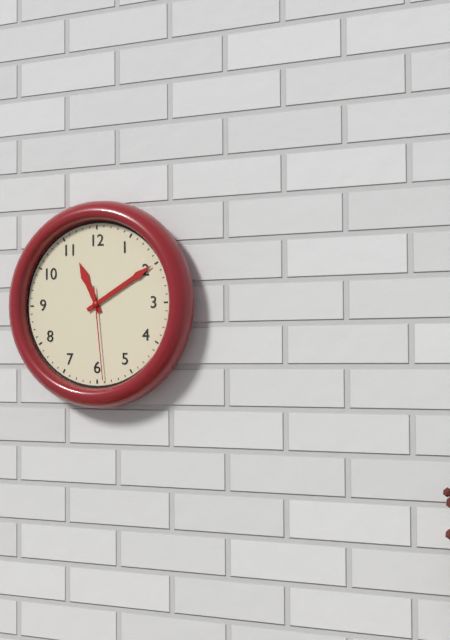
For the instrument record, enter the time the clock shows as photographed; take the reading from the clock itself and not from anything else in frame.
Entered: 11:10:29
